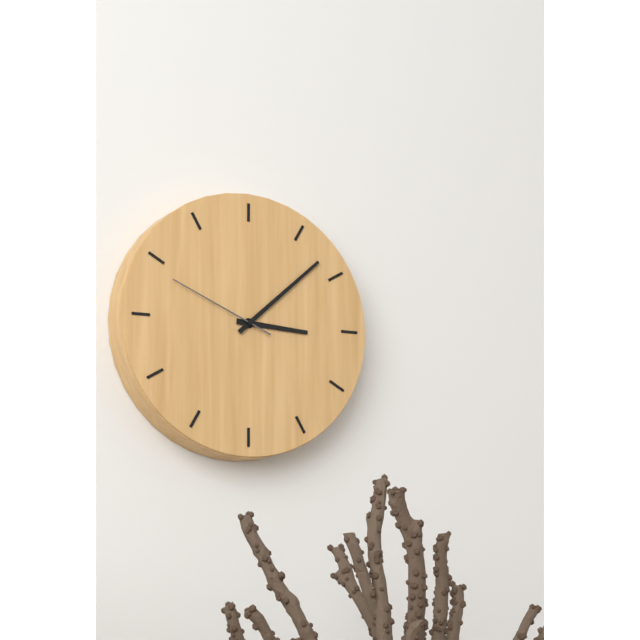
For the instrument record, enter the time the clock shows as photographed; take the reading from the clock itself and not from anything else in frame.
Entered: 3:08:49
